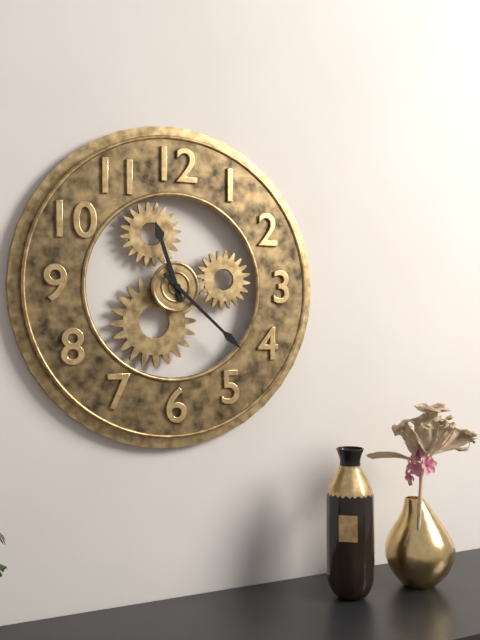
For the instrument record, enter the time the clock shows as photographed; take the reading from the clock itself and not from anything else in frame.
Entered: 11:22
